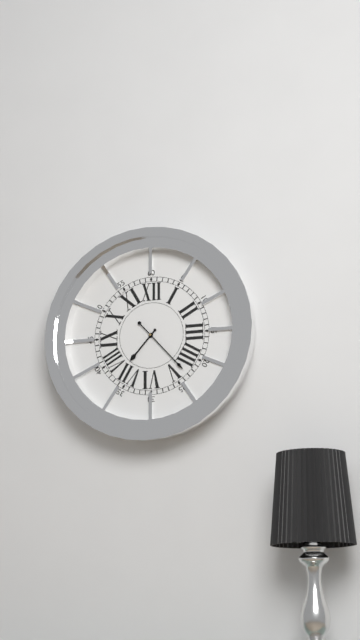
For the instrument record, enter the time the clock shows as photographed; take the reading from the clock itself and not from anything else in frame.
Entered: 7:23
